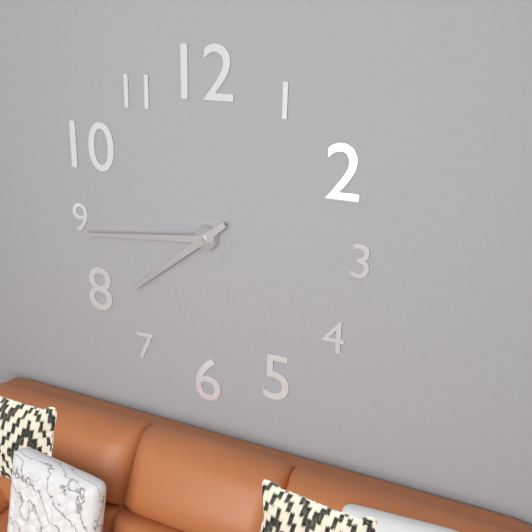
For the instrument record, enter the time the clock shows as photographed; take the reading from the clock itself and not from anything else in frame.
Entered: 7:44
